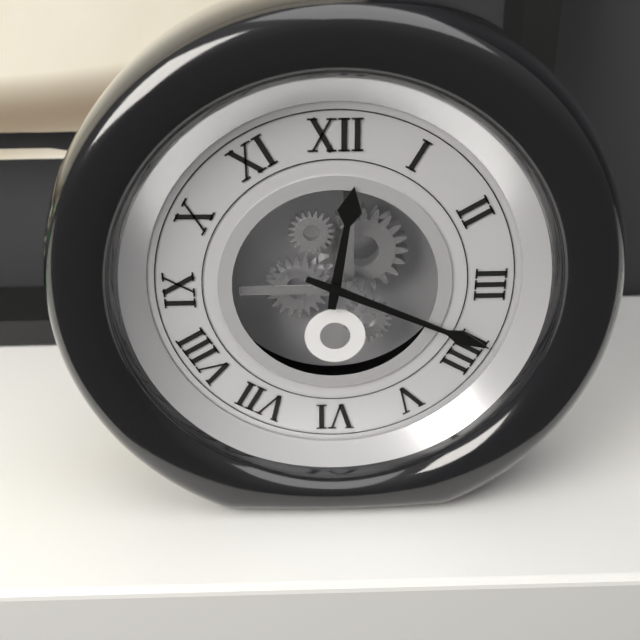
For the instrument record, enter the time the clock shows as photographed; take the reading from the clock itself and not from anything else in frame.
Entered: 12:19
